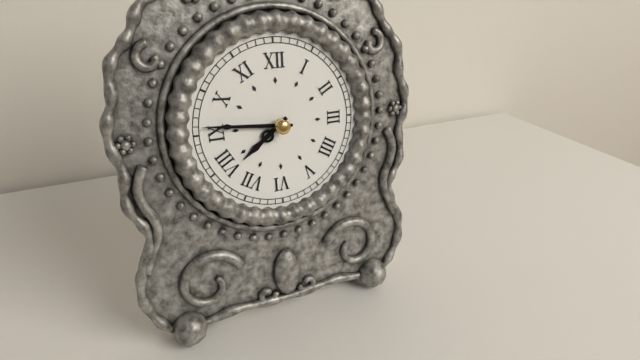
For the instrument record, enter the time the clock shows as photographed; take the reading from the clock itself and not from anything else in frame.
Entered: 7:46
